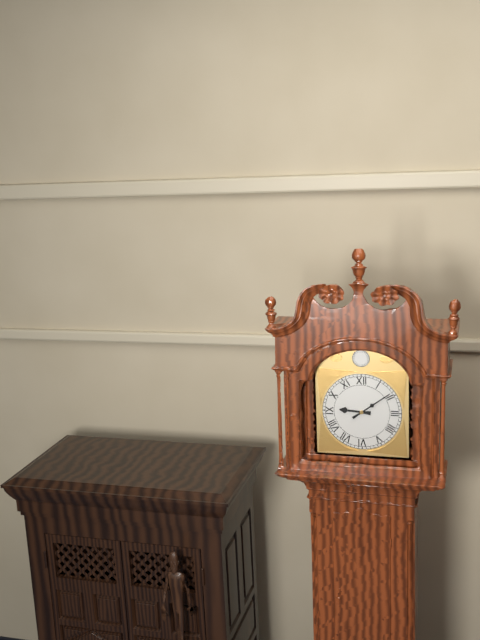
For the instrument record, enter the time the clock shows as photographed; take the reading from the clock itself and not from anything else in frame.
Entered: 9:09
